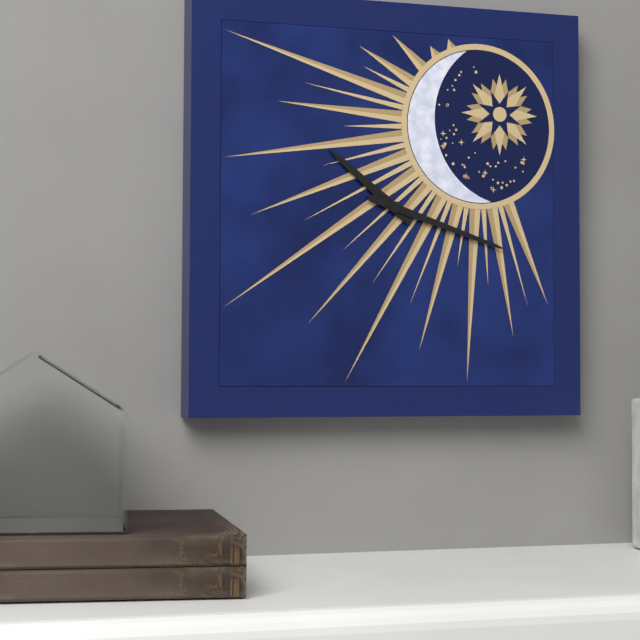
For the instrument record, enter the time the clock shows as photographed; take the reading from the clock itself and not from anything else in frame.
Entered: 10:18
